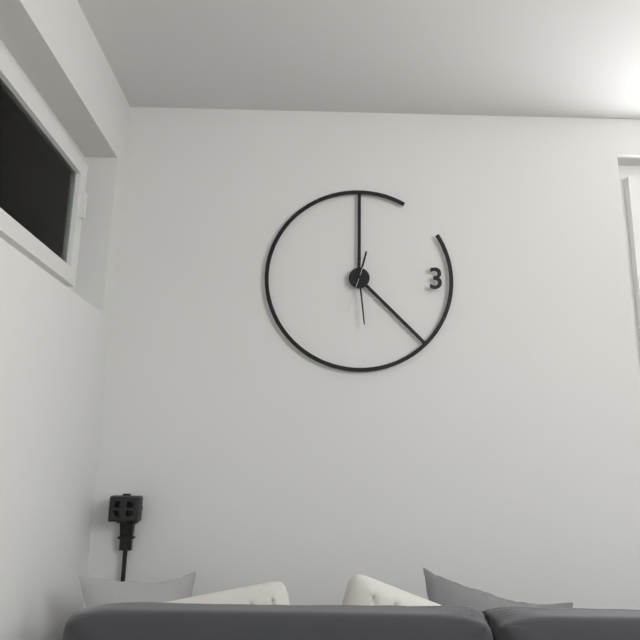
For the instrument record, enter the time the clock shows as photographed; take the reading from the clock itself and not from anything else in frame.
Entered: 12:29
